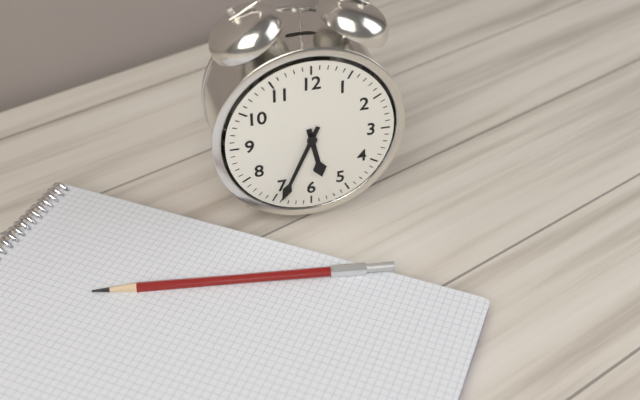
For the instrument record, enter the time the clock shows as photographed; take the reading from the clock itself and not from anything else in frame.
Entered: 5:34
